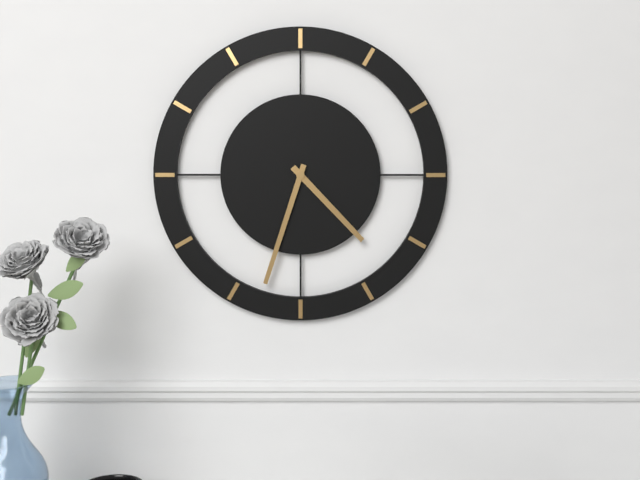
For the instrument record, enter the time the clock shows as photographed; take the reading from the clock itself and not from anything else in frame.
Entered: 4:33
